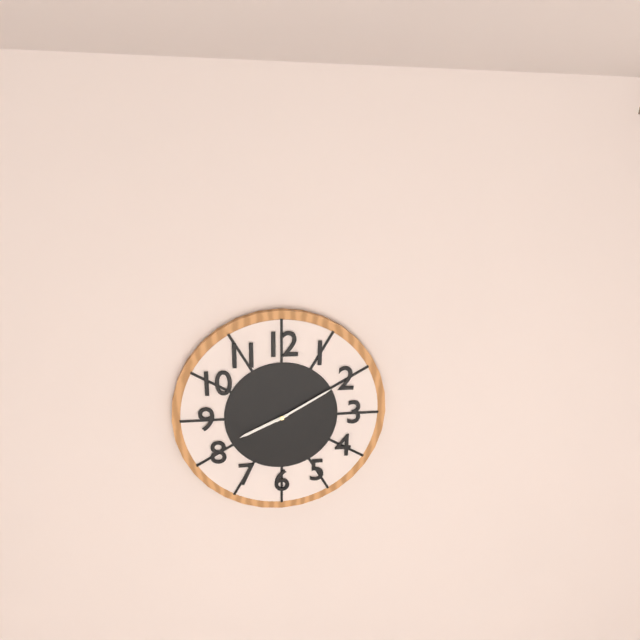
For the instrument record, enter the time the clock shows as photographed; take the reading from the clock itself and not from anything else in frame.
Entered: 8:10
